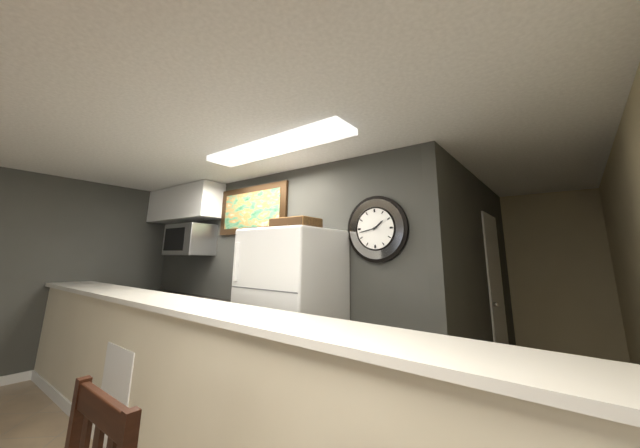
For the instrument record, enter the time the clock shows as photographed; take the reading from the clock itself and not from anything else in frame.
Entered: 1:43
